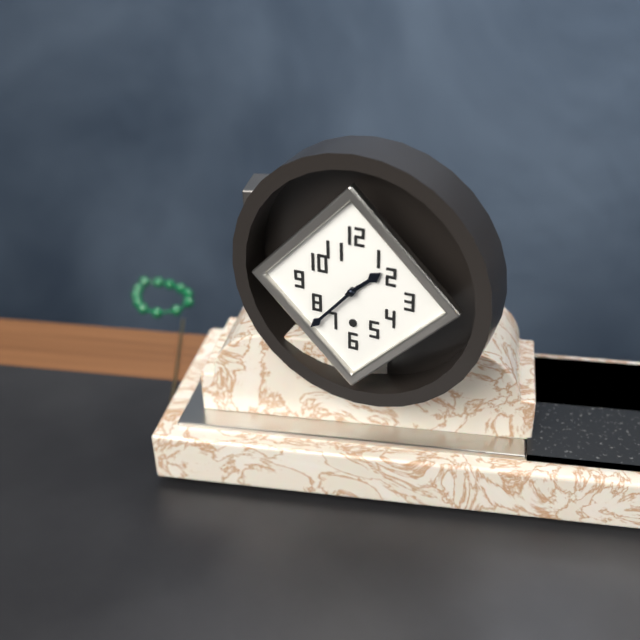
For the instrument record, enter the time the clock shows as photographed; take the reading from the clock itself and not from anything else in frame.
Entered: 1:37
